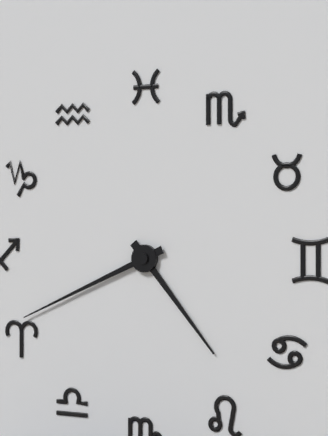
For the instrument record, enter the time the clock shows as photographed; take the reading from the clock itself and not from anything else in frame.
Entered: 4:41
